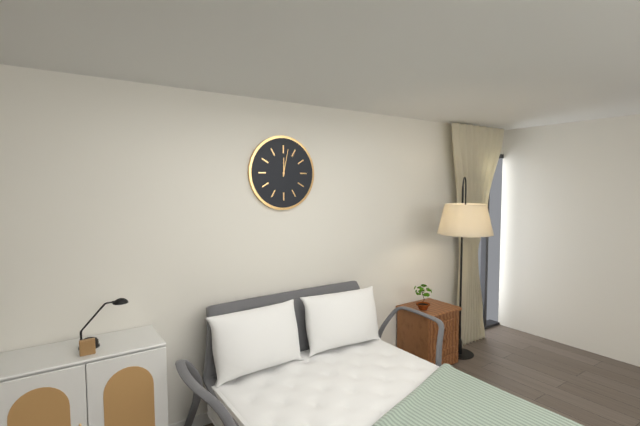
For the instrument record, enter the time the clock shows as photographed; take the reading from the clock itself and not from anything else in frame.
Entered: 12:02
